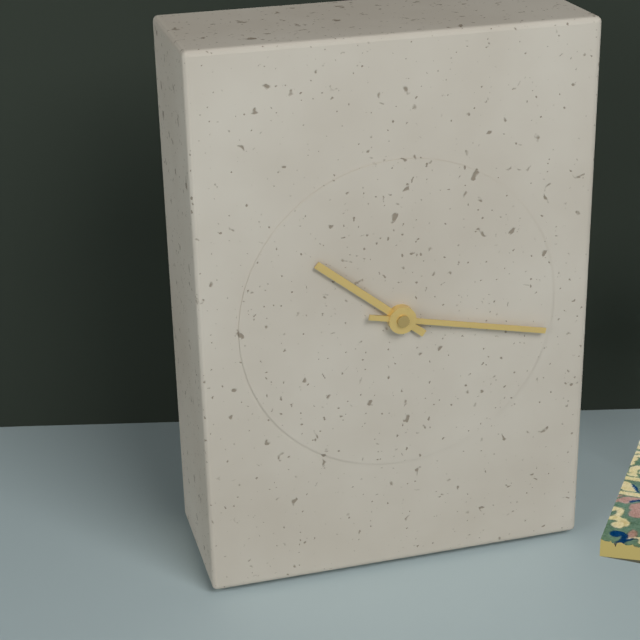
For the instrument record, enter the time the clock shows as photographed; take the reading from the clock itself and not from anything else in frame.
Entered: 10:17
